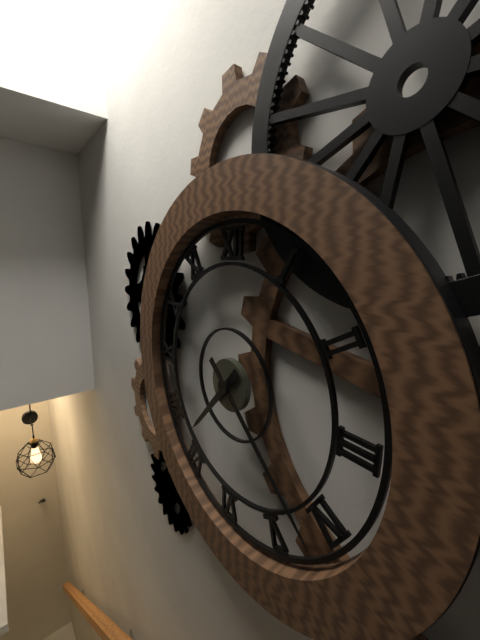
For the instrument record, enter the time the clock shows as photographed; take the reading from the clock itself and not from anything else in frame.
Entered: 7:22
